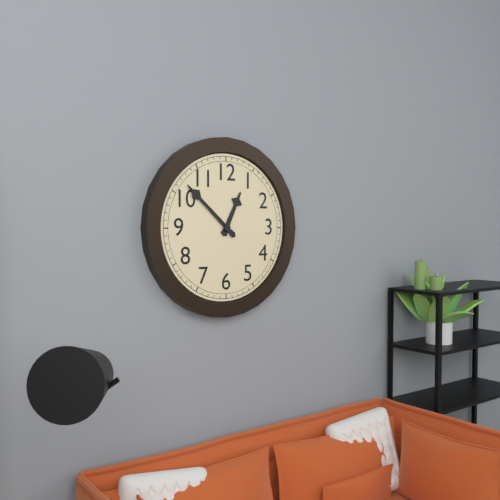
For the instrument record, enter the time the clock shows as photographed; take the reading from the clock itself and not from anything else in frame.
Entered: 12:52
